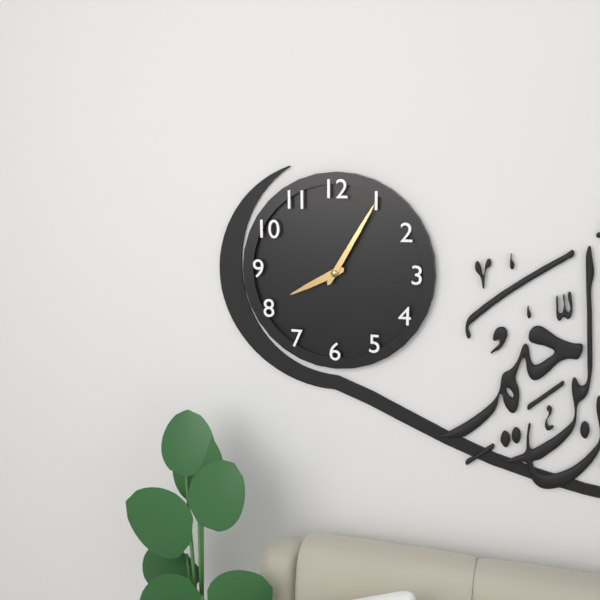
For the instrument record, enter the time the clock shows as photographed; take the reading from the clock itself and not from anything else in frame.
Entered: 8:05
